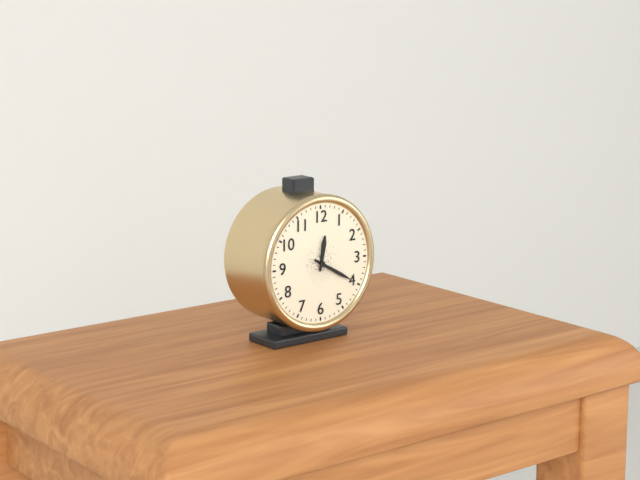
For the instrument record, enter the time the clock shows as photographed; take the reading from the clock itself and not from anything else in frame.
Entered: 12:20
